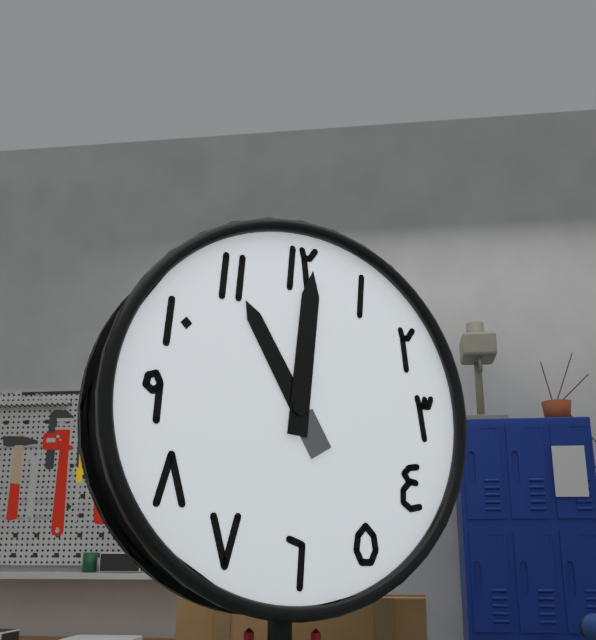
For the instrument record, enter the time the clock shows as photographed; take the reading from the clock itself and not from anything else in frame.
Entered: 11:01
